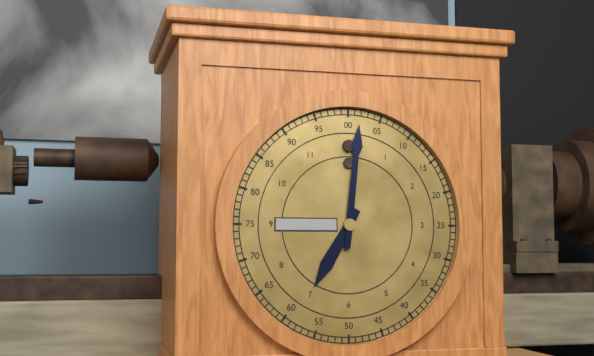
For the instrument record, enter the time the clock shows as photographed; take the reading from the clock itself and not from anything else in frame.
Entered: 7:01
